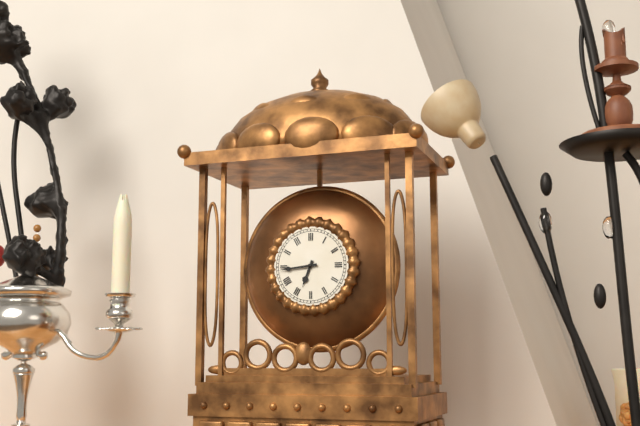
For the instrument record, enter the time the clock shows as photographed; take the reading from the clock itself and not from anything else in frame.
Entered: 6:44
